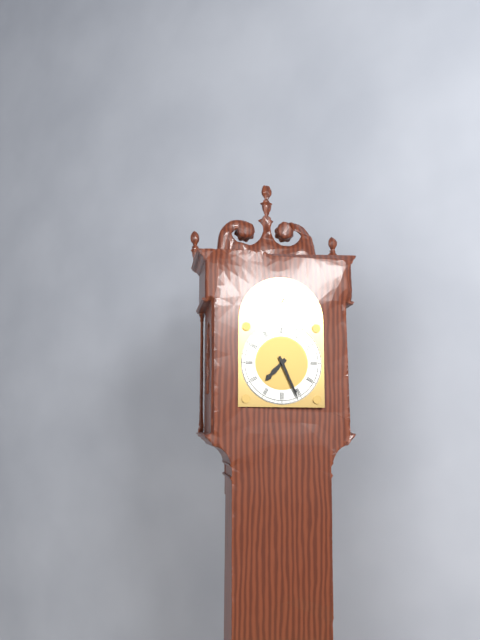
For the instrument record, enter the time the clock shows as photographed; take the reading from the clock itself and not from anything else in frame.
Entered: 7:26
